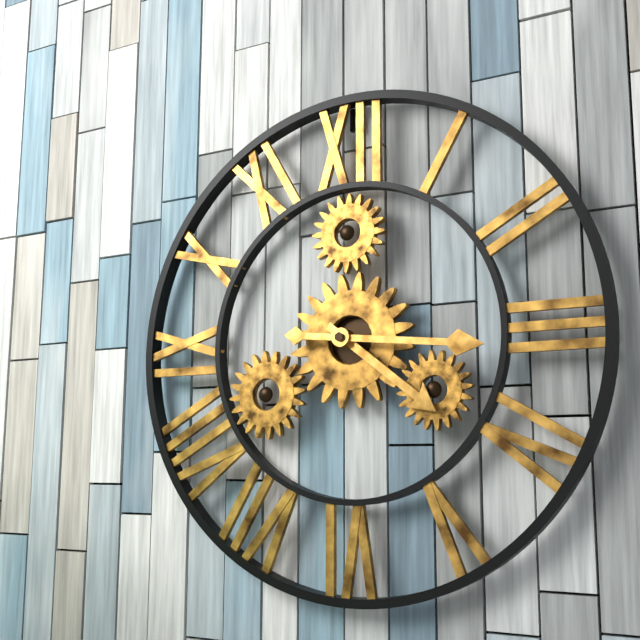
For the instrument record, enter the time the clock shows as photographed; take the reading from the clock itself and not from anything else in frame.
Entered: 4:16
